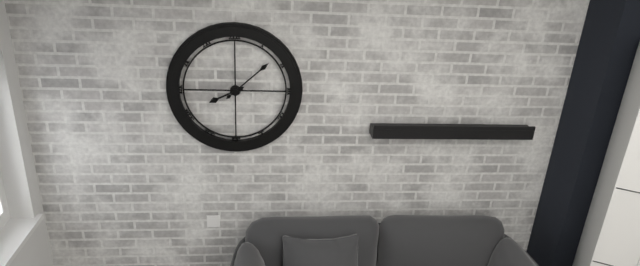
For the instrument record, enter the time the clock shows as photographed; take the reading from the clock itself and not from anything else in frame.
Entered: 8:08
